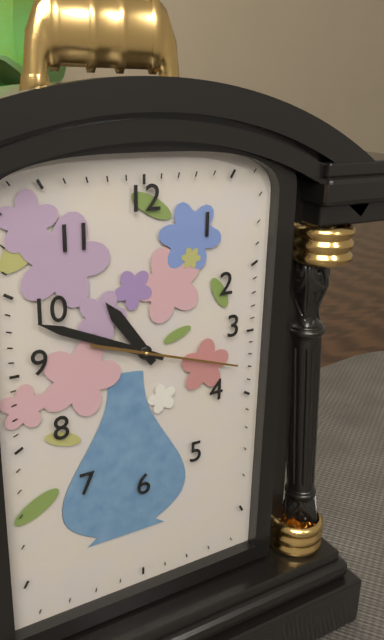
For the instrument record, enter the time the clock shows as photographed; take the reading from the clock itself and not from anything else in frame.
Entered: 10:49:18
